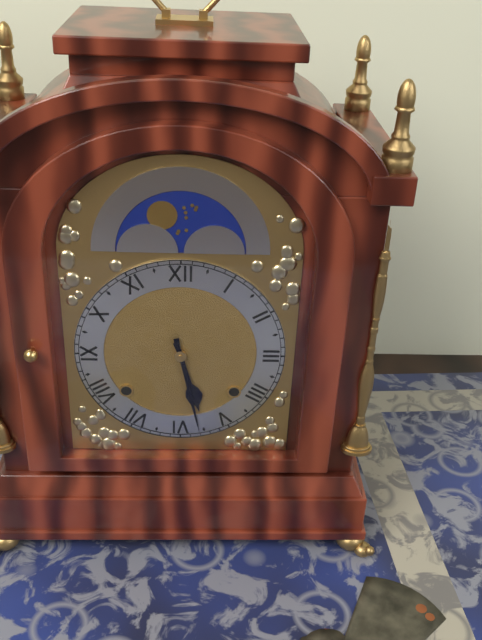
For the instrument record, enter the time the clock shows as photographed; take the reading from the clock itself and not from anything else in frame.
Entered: 5:28
